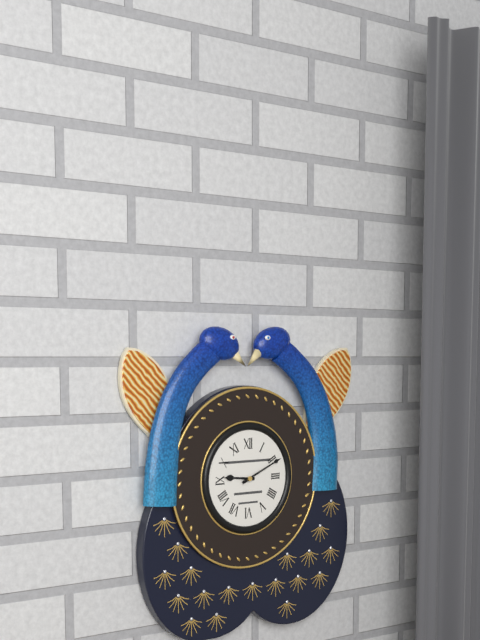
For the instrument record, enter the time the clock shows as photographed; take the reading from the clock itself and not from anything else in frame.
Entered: 9:11
